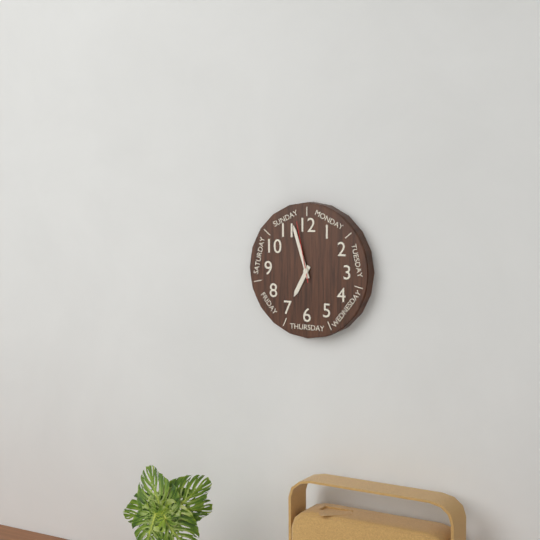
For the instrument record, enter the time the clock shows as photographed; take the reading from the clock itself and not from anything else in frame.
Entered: 6:57:58
